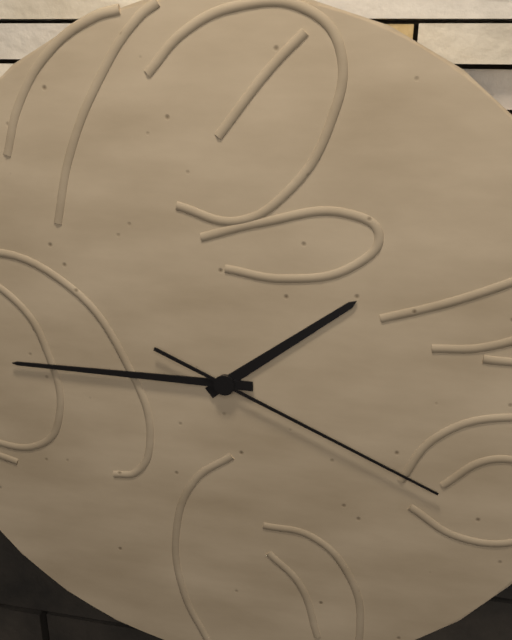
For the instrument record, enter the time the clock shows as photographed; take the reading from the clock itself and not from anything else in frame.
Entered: 1:45:19
